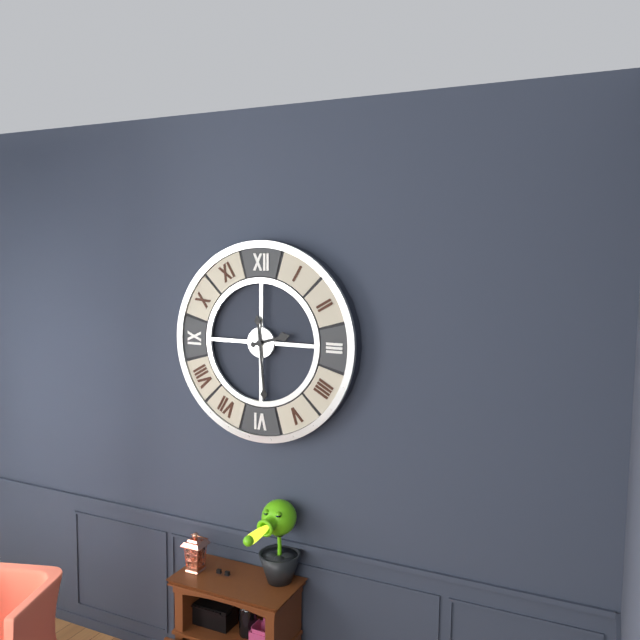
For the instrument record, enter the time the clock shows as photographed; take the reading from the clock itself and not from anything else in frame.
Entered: 2:29
